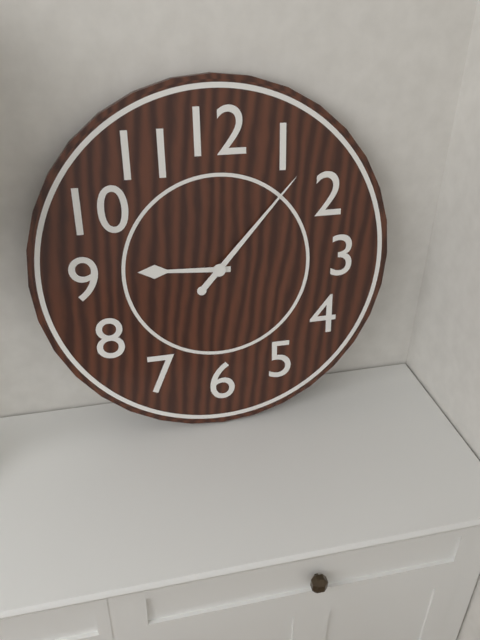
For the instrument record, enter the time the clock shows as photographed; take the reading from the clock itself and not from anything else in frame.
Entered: 9:07
